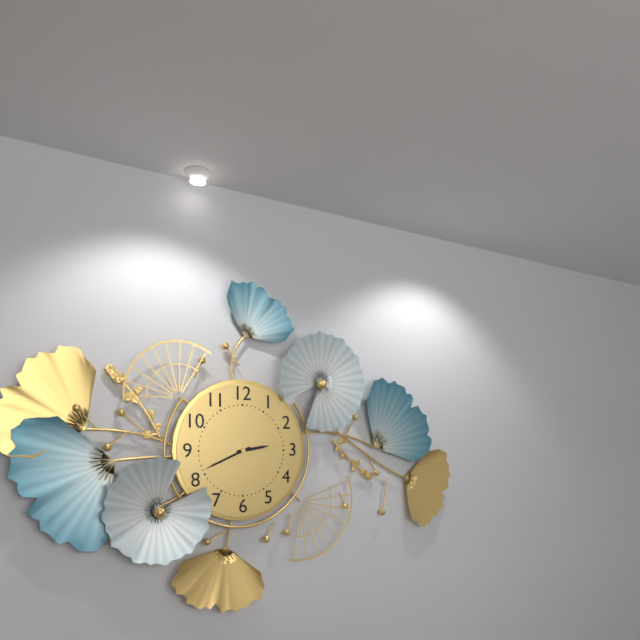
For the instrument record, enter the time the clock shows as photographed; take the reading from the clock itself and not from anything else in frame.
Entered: 2:41
